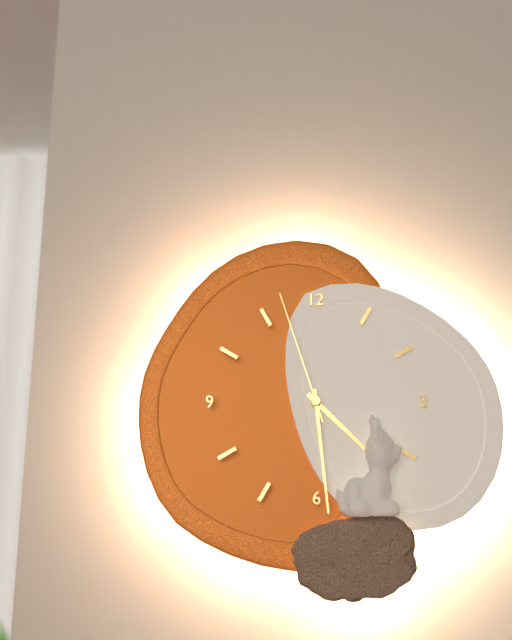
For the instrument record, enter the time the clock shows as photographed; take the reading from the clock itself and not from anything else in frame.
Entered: 4:29:57
